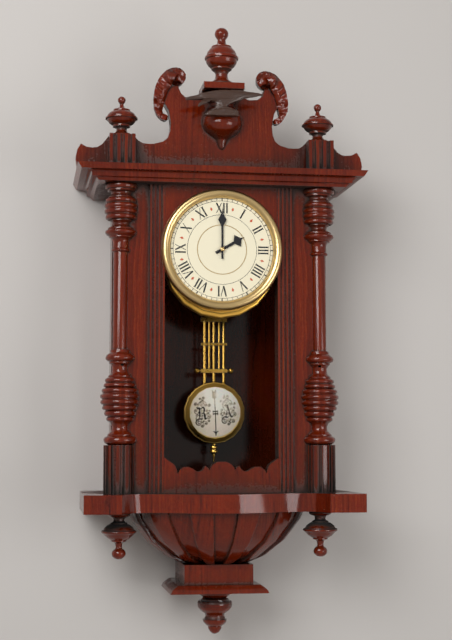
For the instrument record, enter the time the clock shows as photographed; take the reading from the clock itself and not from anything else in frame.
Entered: 2:00
